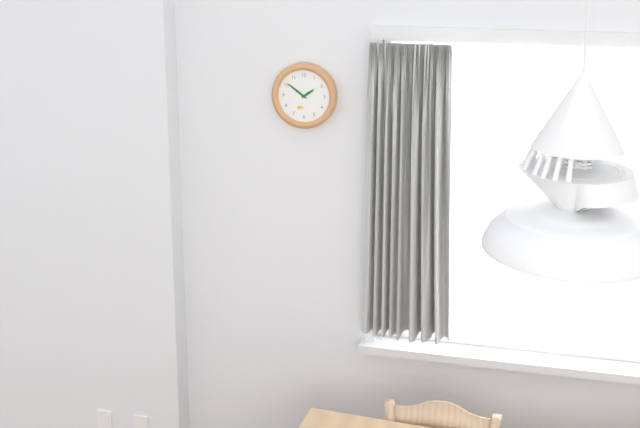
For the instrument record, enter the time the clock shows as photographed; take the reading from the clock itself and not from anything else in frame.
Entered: 1:51
